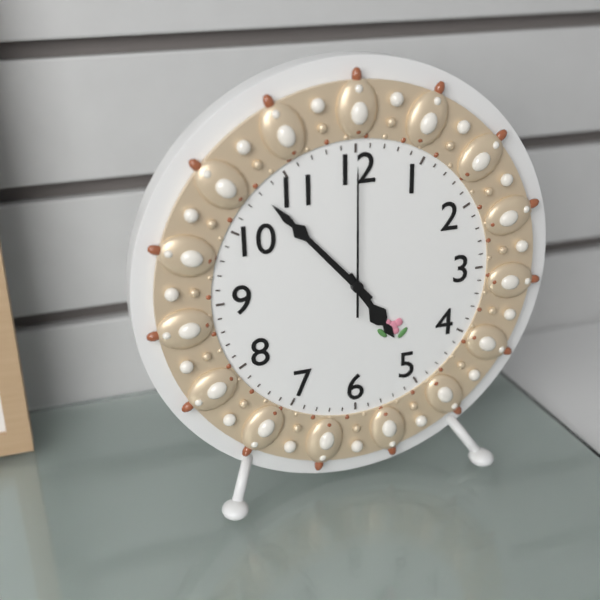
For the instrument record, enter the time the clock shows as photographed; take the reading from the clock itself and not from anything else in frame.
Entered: 4:53:00
